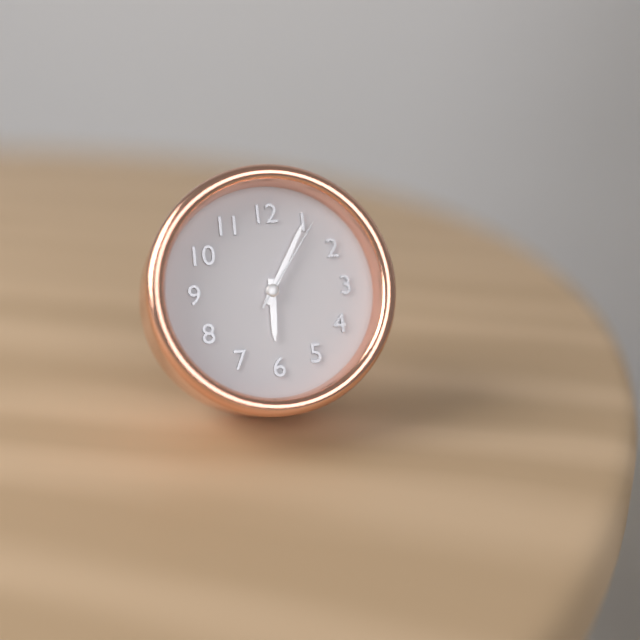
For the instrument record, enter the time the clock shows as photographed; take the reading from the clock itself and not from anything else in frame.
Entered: 6:05:06
